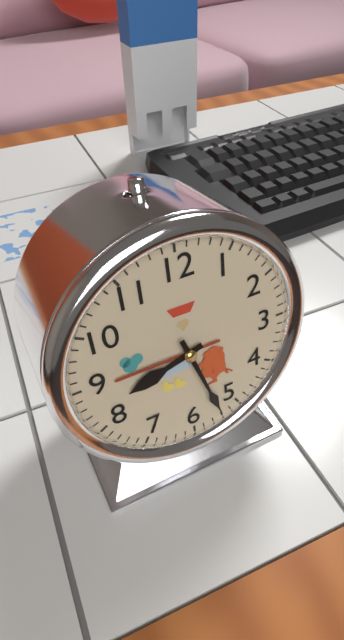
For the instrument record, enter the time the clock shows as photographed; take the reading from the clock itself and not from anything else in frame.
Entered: 8:27
